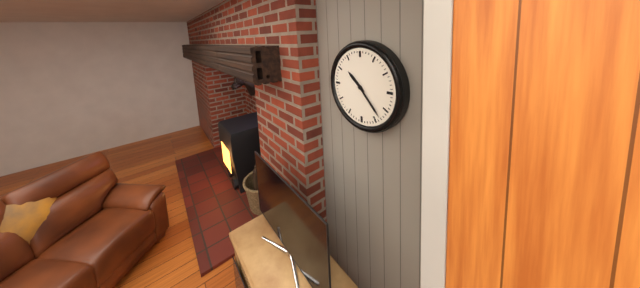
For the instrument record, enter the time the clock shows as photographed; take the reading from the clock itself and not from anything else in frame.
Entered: 10:23
